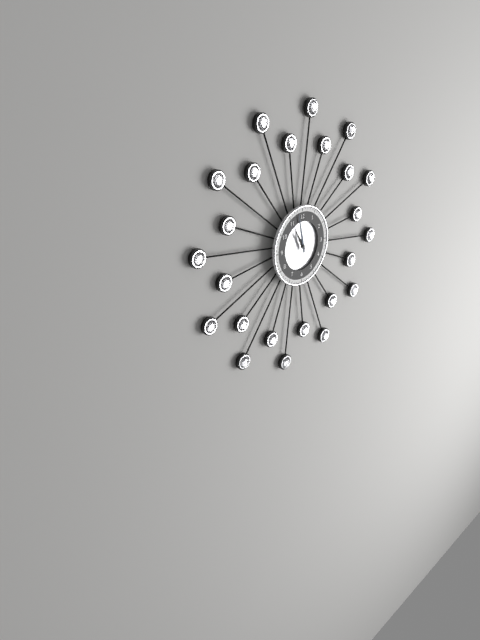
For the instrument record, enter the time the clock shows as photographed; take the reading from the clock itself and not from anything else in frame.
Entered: 10:58
